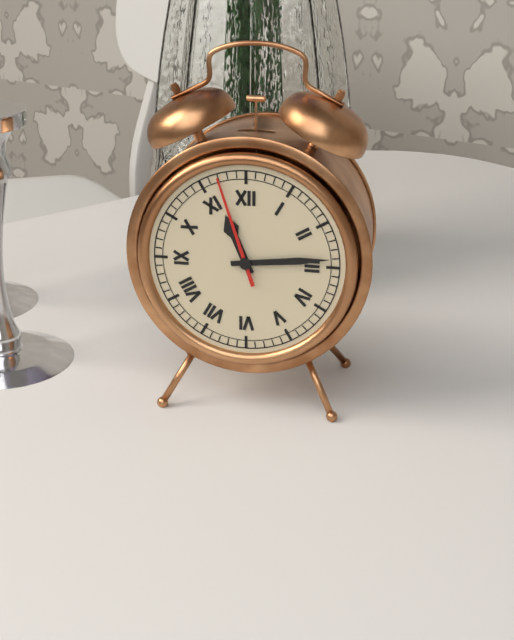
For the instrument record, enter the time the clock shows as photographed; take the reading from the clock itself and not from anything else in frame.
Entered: 11:14:57
